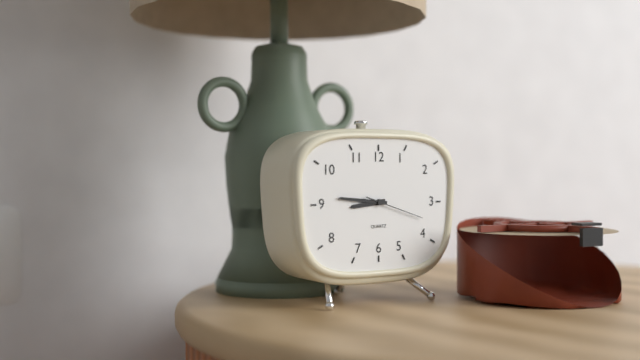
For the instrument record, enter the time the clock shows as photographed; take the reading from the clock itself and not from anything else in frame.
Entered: 8:46:18
